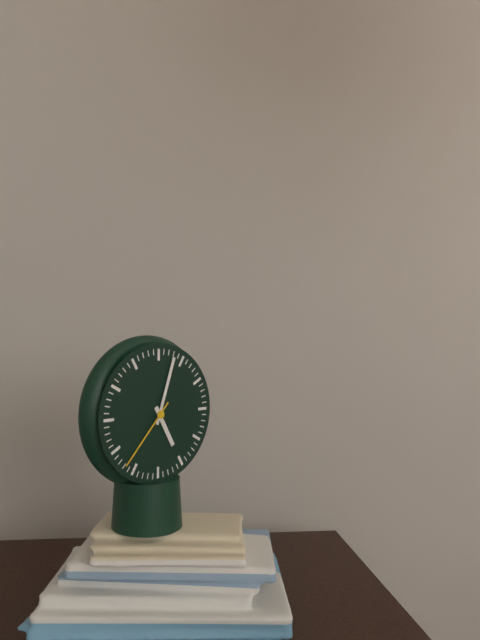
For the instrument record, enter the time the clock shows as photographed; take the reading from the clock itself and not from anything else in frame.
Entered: 5:03:37
